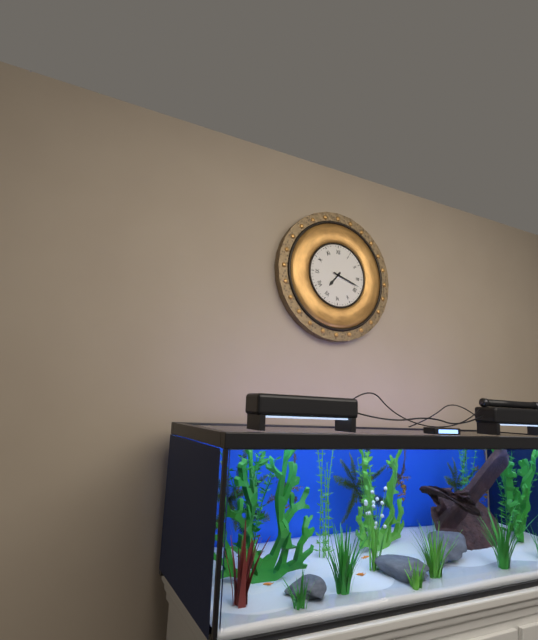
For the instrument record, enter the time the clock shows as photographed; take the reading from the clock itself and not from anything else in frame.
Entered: 7:18
